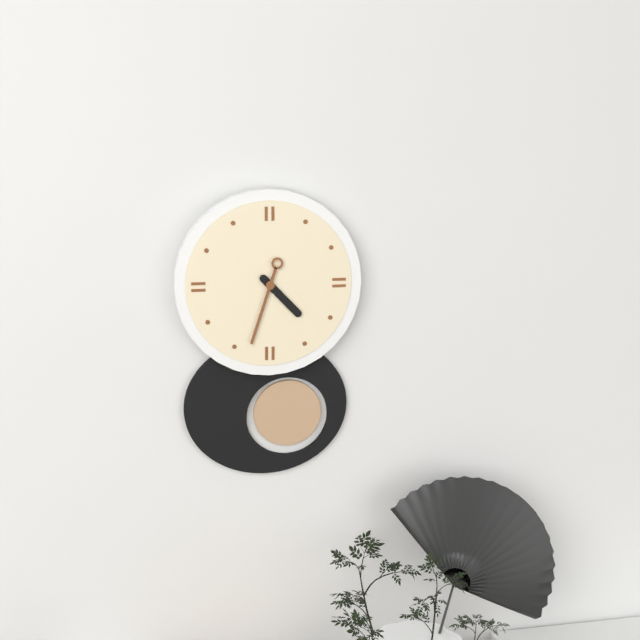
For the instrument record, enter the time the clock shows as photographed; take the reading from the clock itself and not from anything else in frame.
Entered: 4:33
